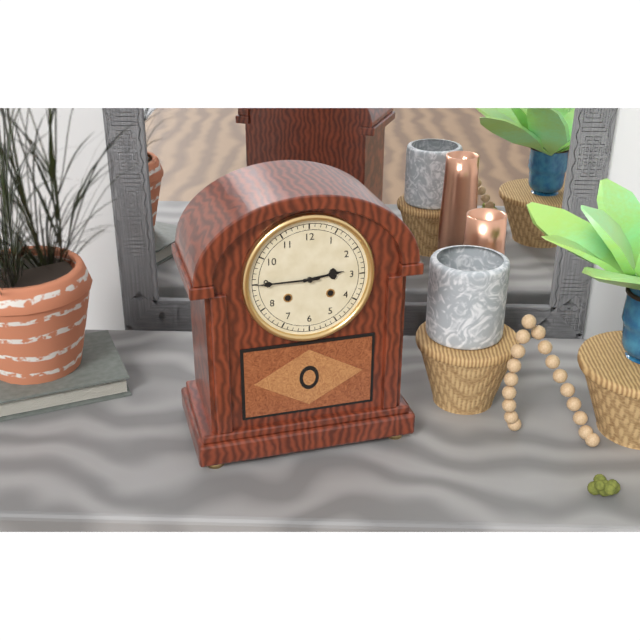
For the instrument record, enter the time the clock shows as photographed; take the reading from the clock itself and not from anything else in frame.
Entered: 2:45
